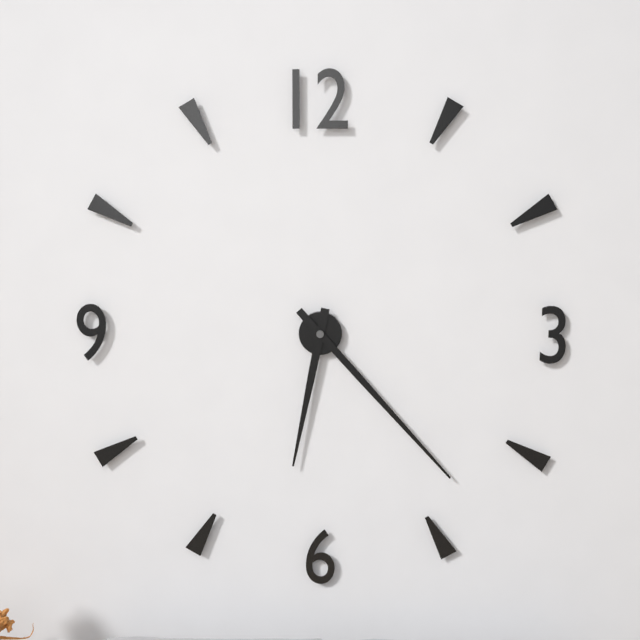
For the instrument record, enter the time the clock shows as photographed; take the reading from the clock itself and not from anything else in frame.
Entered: 6:23
